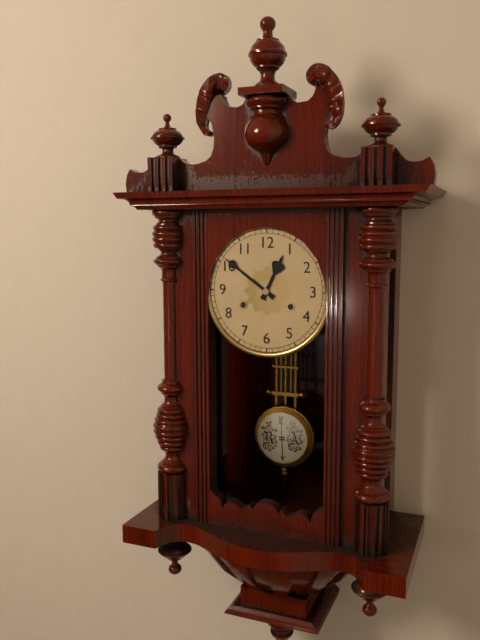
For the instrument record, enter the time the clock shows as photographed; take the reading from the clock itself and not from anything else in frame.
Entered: 12:51
